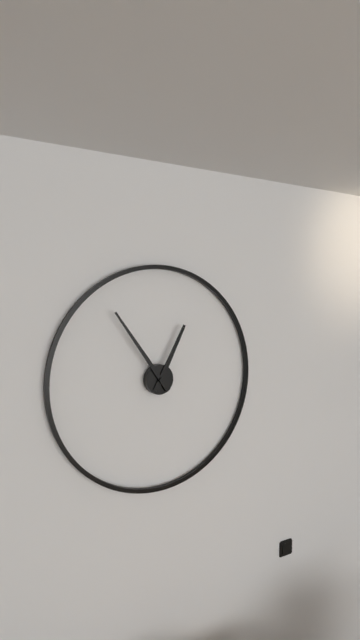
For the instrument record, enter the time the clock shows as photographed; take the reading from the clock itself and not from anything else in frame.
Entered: 12:54
